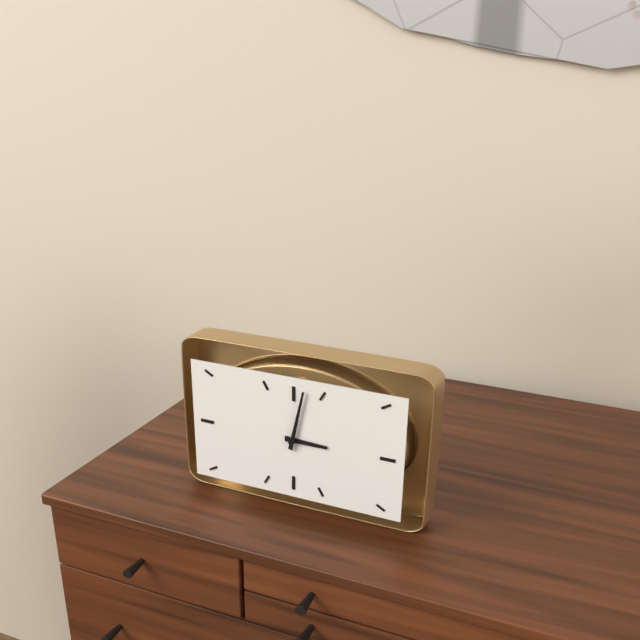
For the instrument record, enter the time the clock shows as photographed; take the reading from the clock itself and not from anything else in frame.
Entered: 3:02
